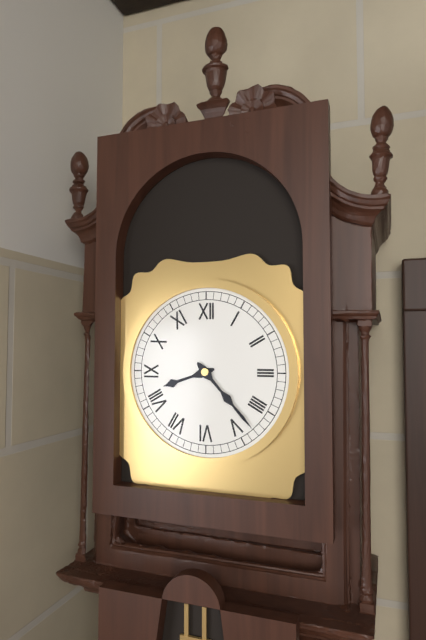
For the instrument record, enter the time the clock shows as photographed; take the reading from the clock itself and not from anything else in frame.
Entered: 8:23
